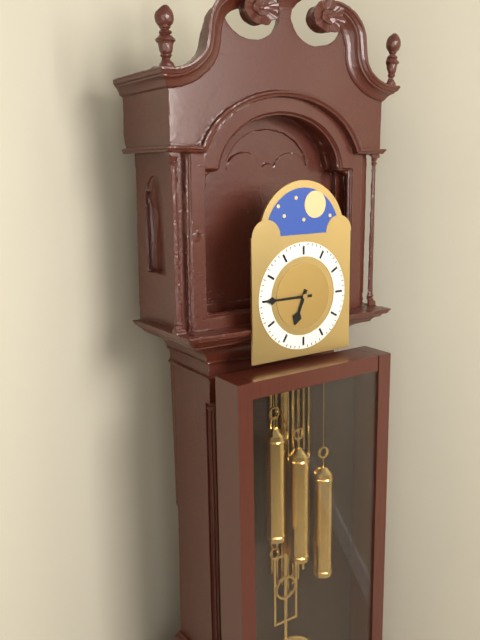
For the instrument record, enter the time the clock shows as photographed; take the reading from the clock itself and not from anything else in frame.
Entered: 6:45
